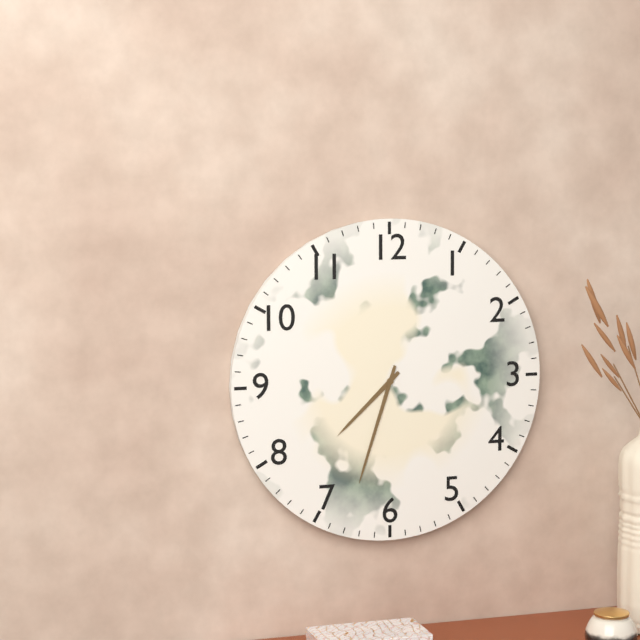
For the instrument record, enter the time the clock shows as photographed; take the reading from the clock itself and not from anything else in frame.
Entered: 7:33
